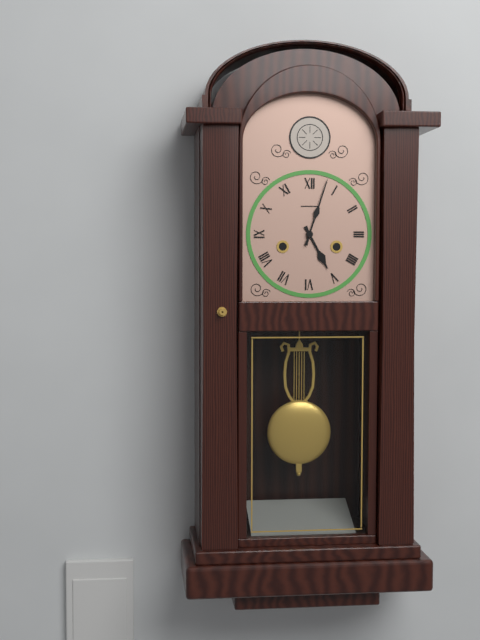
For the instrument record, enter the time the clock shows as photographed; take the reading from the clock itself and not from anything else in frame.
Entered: 5:03
